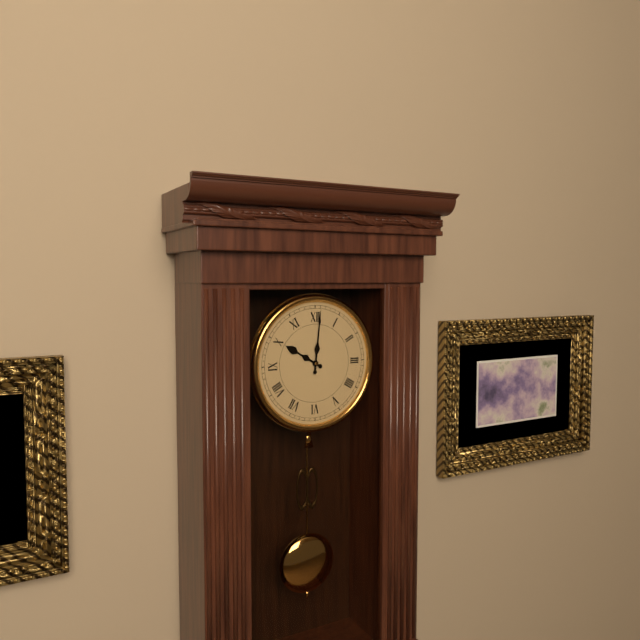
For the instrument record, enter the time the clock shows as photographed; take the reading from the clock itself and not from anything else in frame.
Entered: 10:01
